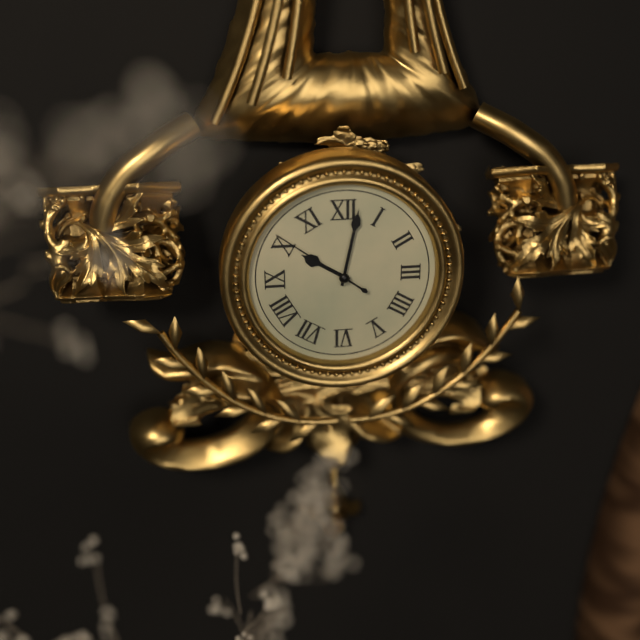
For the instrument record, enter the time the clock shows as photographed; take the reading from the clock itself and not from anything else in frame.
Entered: 10:02:51
